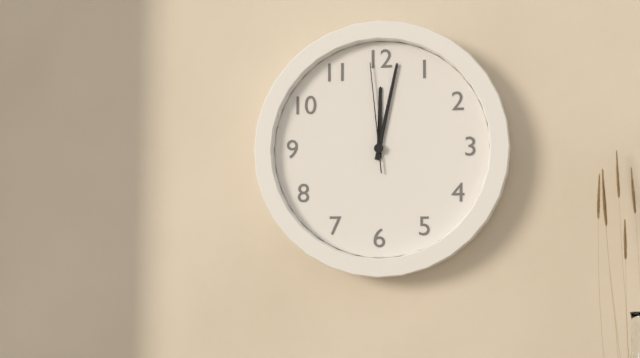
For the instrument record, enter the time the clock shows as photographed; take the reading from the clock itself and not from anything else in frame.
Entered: 12:02:59
